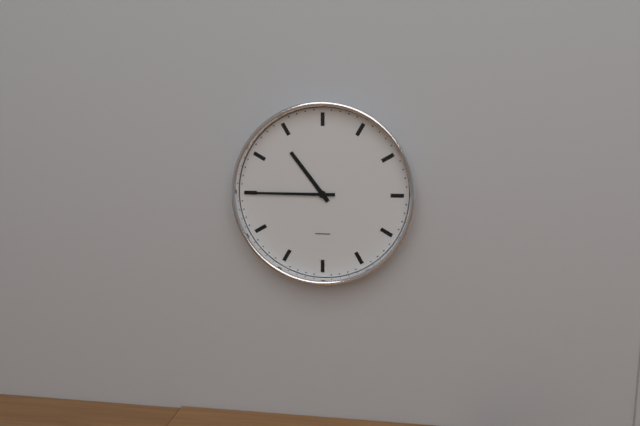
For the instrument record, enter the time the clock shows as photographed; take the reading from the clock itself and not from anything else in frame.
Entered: 10:45
